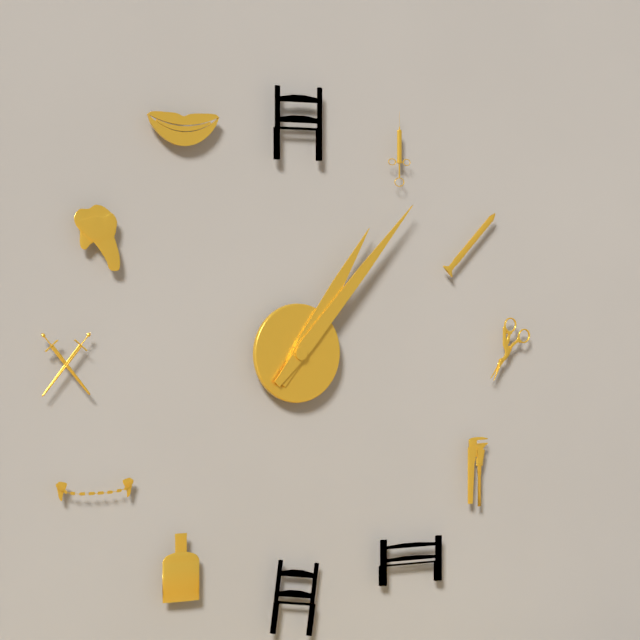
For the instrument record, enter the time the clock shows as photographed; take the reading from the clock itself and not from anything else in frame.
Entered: 1:07
